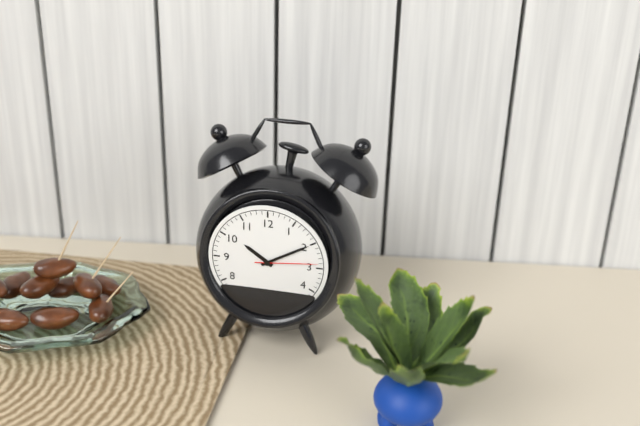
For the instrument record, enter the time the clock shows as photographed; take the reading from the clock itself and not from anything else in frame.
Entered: 10:10:14
